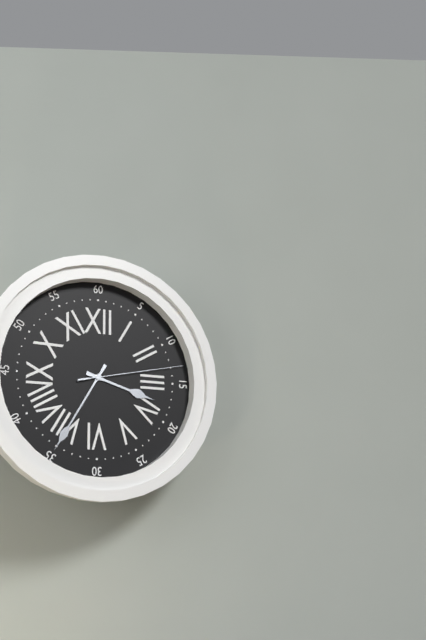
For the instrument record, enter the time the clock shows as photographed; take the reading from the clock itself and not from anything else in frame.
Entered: 3:35:13
